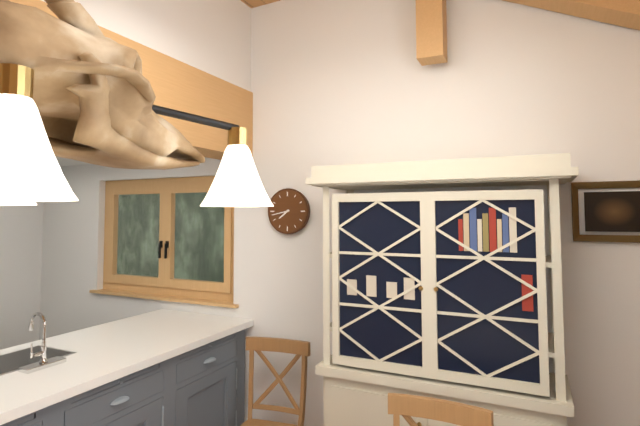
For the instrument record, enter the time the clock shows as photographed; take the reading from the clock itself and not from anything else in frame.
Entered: 7:43
